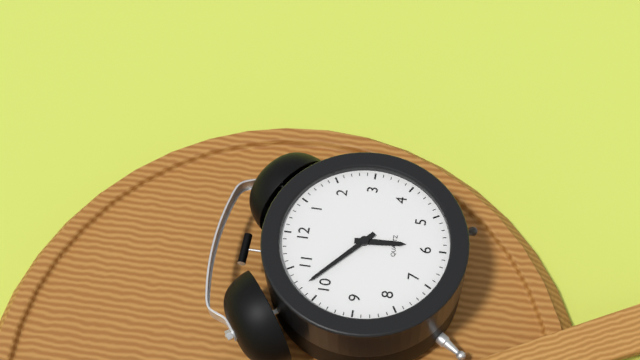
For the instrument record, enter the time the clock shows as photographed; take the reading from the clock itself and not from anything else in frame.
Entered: 5:52
